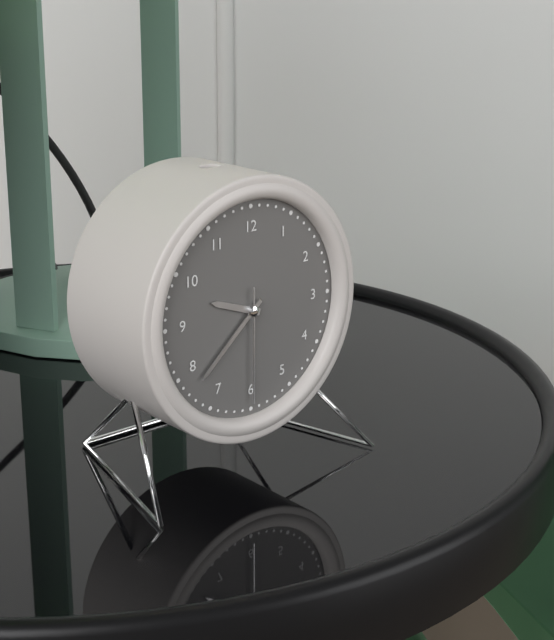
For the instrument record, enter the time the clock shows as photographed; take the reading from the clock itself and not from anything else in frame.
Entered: 9:38:30
